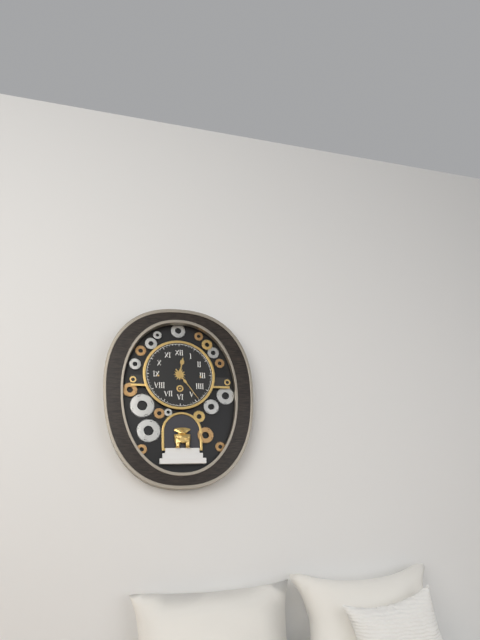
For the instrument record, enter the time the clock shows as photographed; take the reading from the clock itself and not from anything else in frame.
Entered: 12:24
